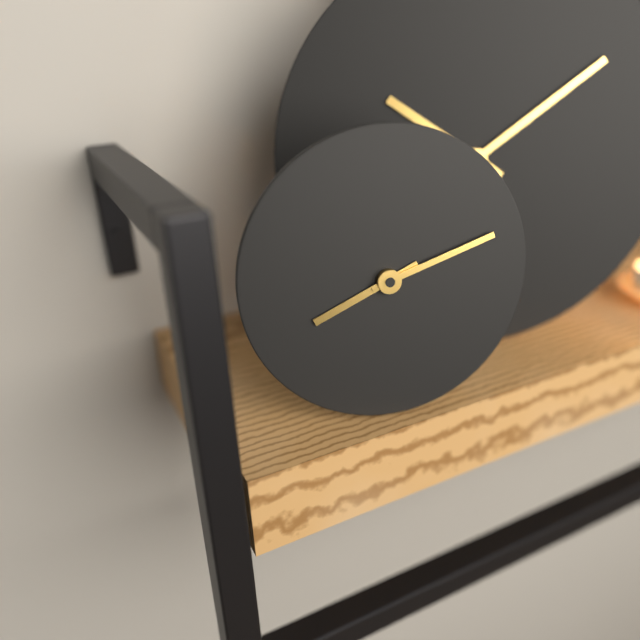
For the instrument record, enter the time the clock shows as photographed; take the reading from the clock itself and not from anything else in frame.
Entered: 8:12
